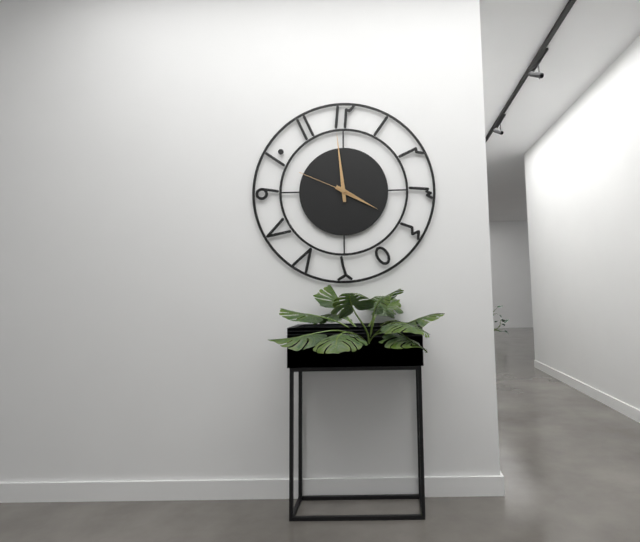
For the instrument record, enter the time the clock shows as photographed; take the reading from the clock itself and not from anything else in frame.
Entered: 3:59:49
